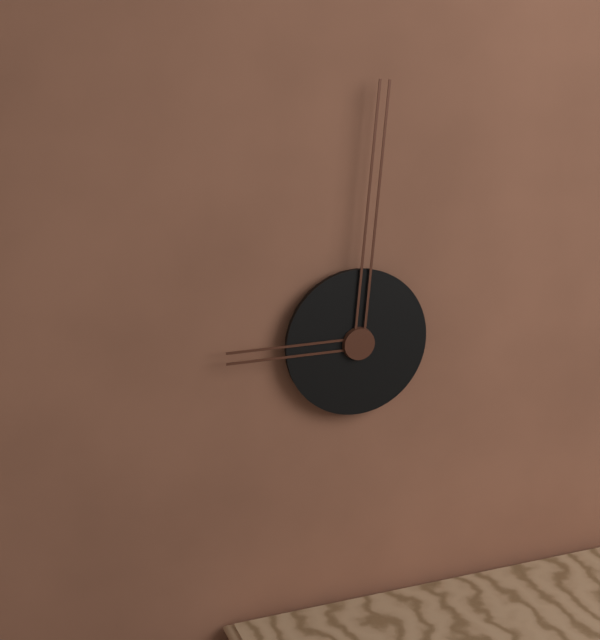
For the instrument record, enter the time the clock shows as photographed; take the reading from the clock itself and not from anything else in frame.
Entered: 9:01
